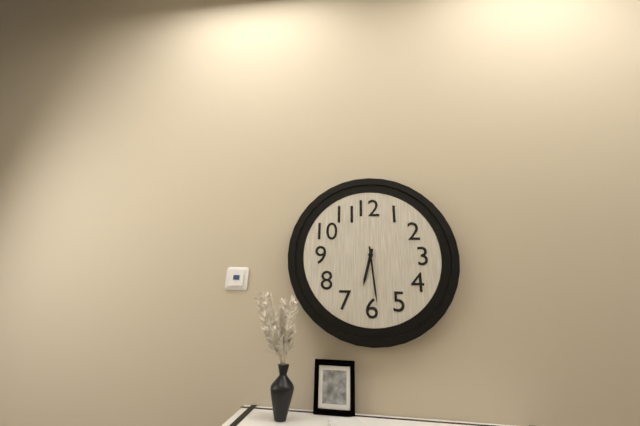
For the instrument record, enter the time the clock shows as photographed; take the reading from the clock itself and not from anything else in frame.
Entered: 6:29
